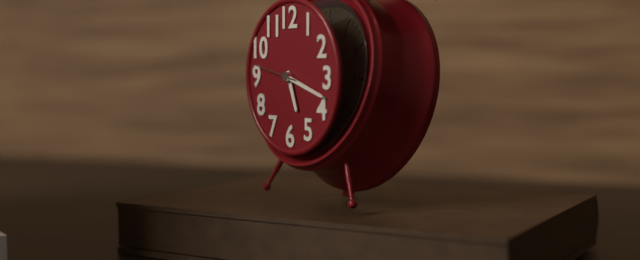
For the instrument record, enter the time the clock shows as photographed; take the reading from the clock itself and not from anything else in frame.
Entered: 5:18
